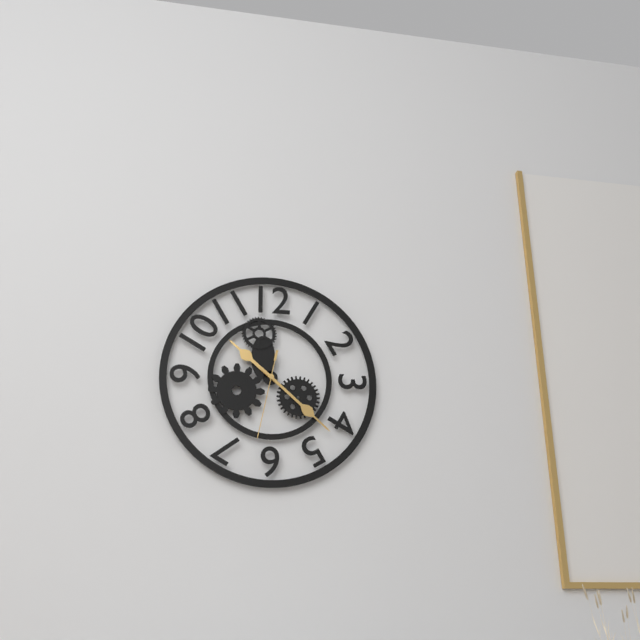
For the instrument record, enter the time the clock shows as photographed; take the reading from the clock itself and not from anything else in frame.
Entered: 10:22:32
